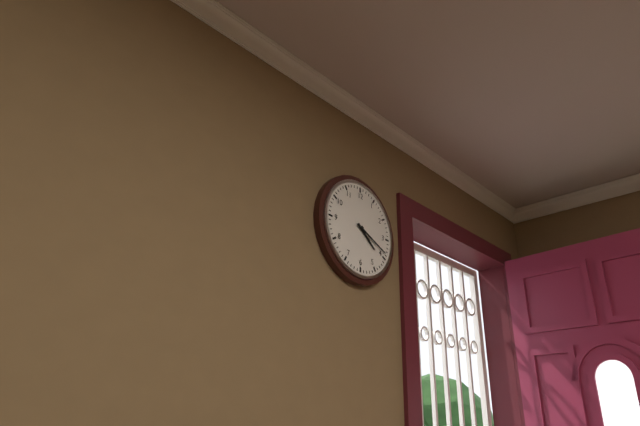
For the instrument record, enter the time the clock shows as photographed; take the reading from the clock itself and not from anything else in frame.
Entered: 4:19
